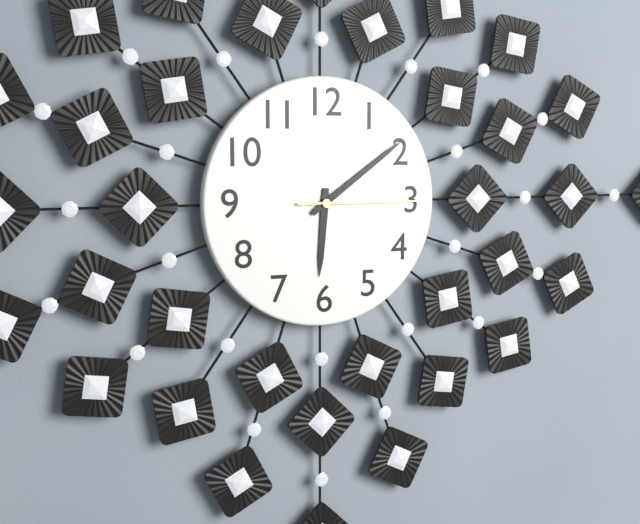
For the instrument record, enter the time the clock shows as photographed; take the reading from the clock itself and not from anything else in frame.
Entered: 6:09:15
